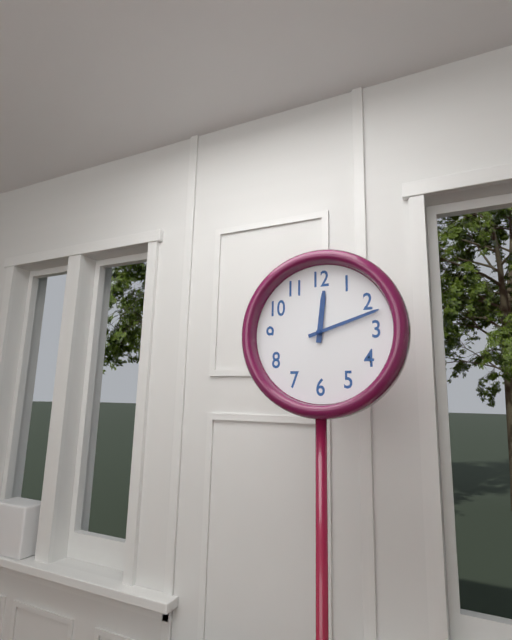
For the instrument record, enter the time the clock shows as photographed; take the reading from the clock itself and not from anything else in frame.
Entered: 12:12
